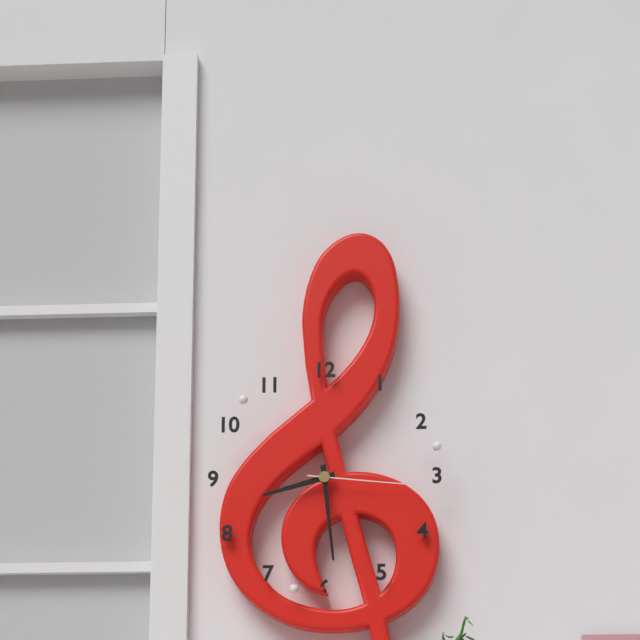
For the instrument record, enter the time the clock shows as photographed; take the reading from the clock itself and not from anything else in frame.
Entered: 8:29:16
